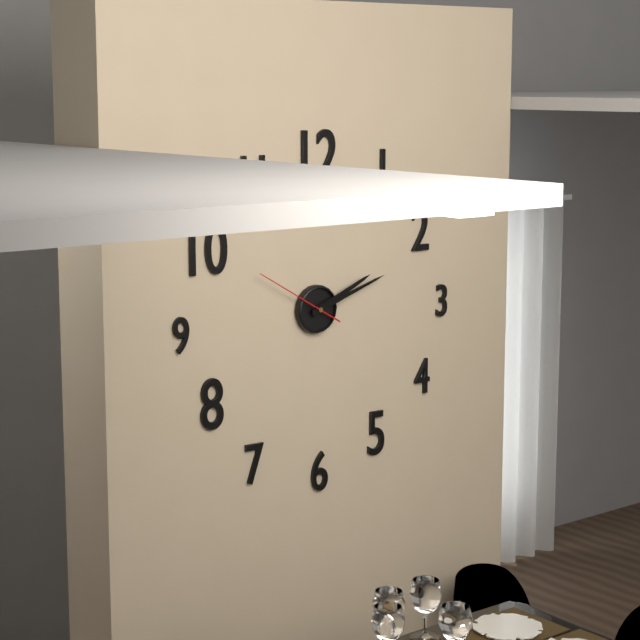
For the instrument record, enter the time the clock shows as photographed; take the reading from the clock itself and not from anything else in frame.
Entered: 2:12:50
